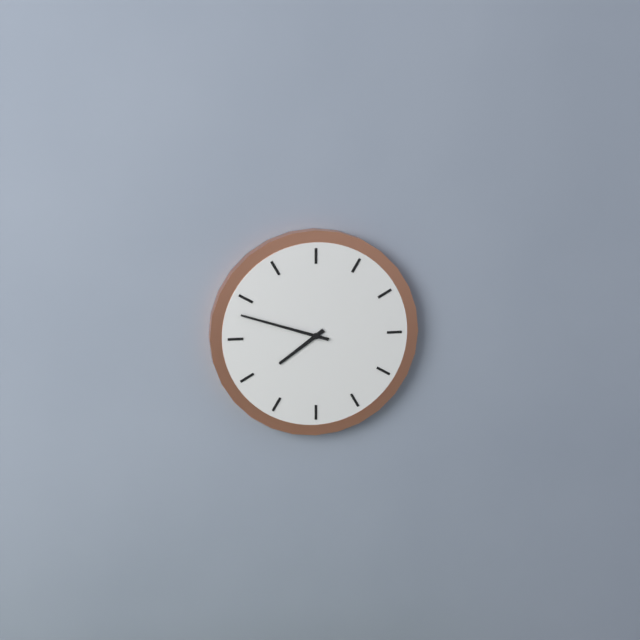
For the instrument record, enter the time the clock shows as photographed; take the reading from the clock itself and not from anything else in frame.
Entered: 7:48
